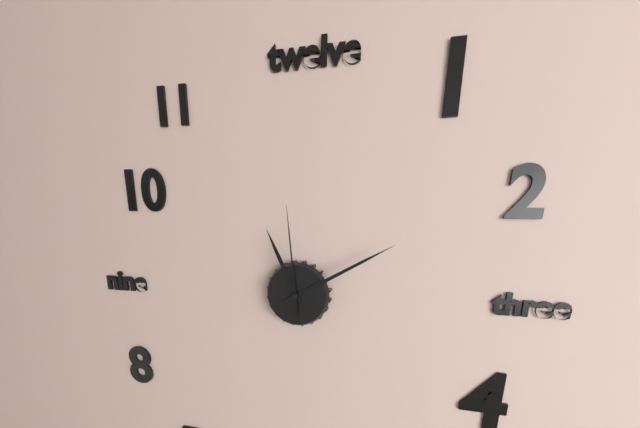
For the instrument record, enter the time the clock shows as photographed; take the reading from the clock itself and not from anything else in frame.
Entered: 11:10:59
